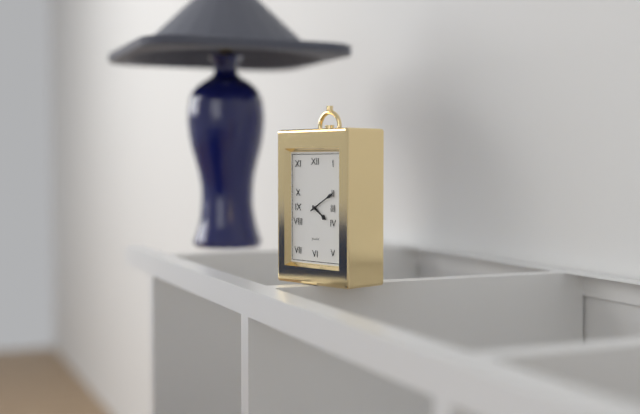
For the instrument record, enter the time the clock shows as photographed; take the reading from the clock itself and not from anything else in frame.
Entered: 4:10
